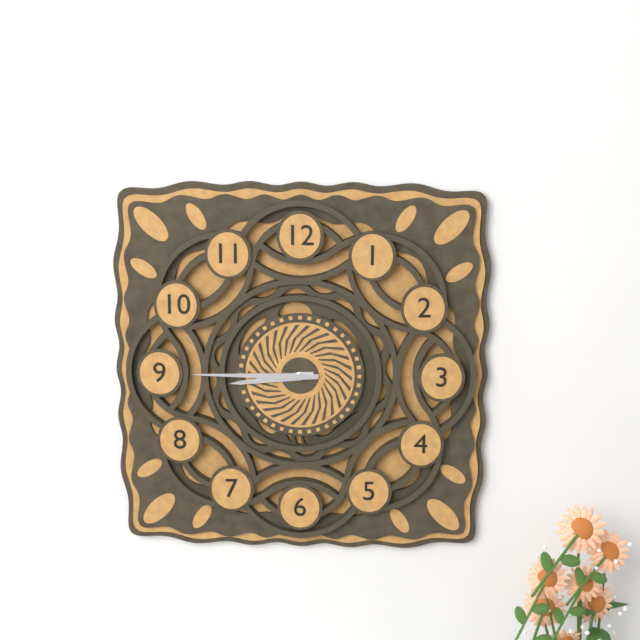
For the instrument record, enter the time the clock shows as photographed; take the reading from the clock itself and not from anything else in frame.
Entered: 8:45
